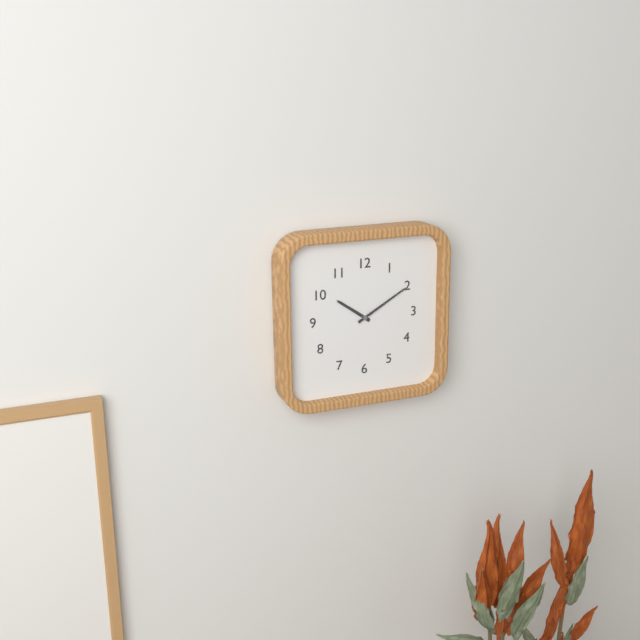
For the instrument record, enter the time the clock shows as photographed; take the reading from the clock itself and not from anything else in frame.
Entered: 10:10
